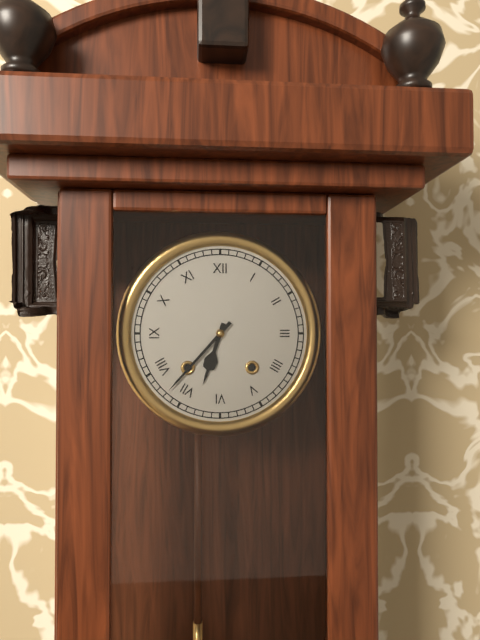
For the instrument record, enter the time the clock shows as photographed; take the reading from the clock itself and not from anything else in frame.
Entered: 6:37
